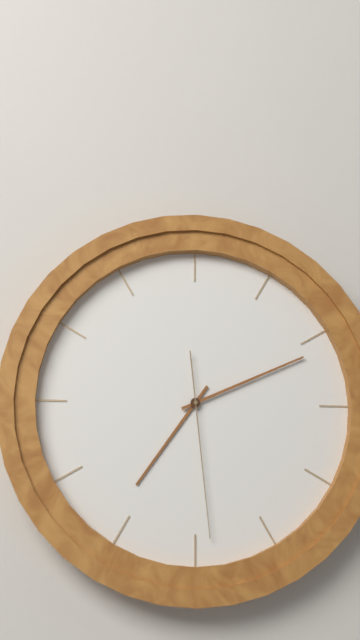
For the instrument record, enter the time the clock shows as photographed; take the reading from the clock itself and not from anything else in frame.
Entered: 7:11:29
